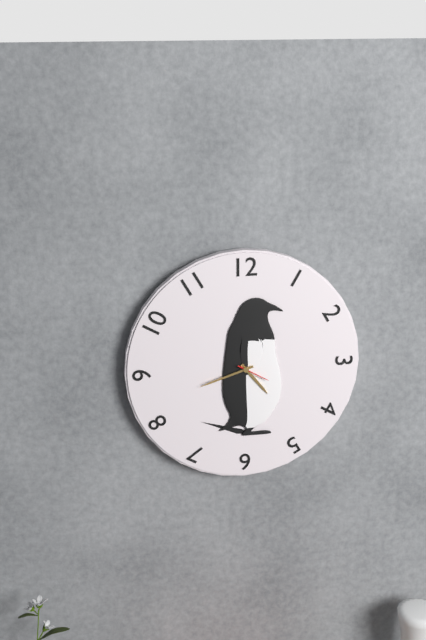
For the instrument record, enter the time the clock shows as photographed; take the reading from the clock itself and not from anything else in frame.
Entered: 4:42
